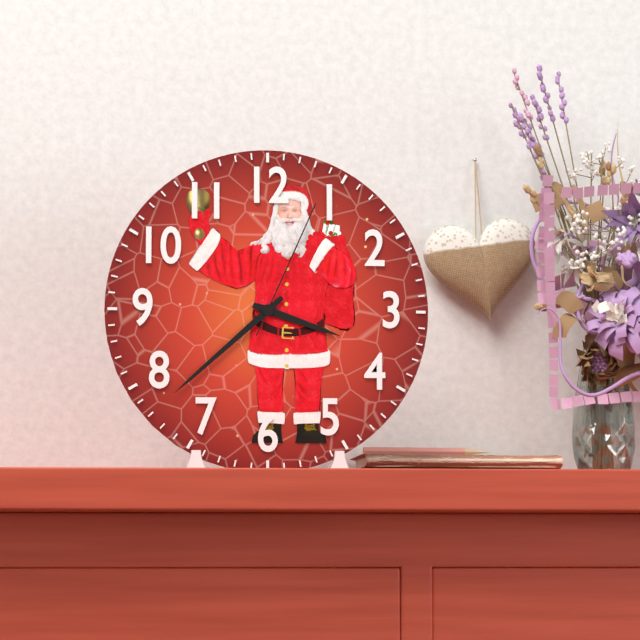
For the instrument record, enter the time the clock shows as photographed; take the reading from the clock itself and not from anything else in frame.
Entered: 3:38:04
